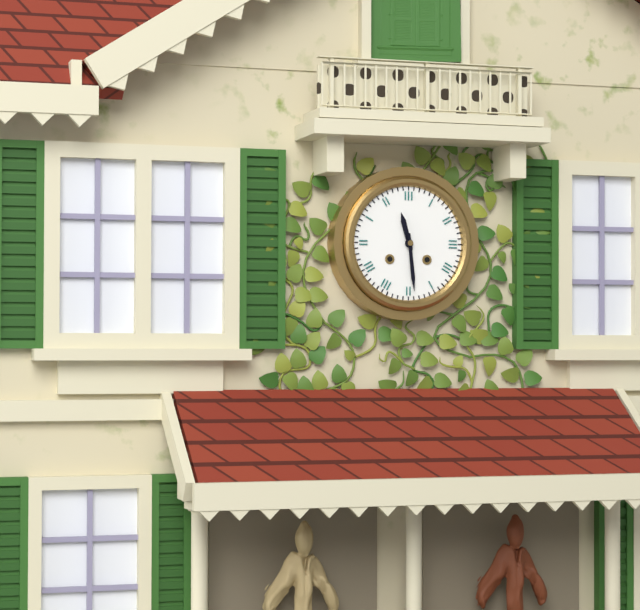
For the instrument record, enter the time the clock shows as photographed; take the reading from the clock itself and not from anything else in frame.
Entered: 11:29
